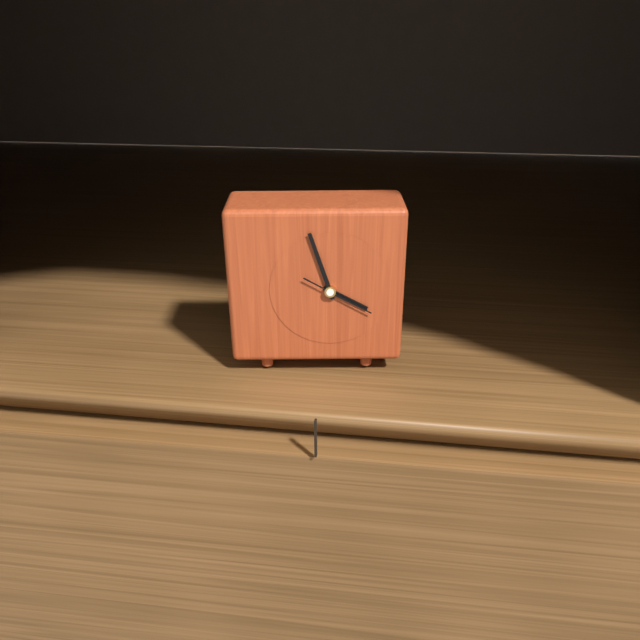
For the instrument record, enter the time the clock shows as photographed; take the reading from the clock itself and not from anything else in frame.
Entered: 3:57:20
